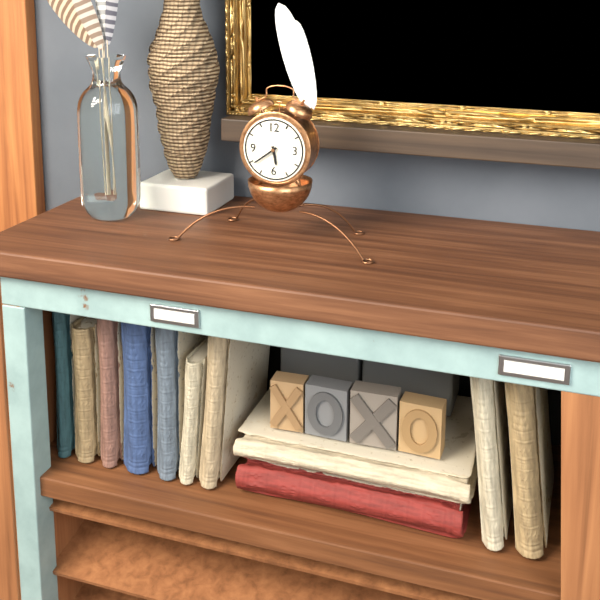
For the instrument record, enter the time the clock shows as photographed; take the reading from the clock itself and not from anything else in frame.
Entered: 5:39
